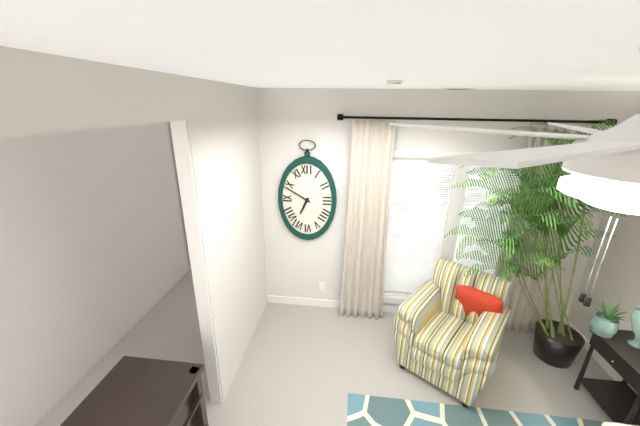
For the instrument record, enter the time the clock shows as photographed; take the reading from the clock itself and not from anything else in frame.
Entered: 6:50
